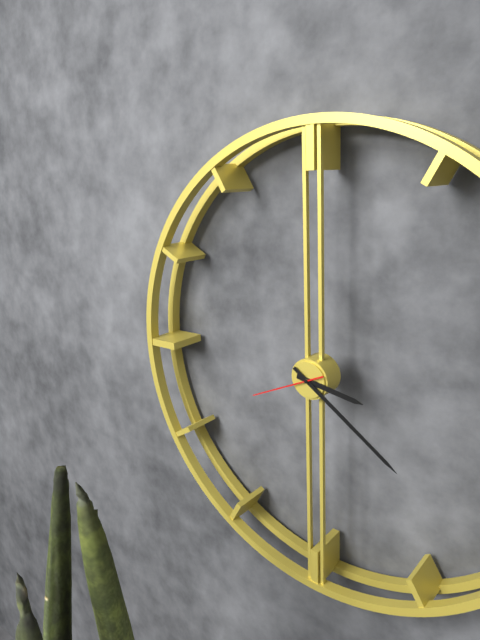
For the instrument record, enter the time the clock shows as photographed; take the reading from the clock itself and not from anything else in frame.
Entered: 3:21:41
